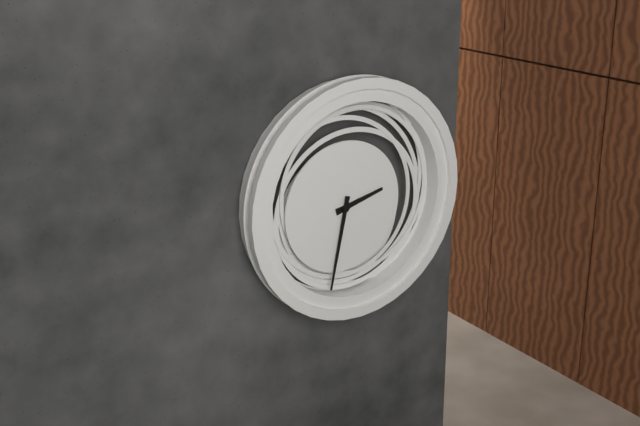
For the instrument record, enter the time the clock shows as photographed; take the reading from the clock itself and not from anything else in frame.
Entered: 2:32
